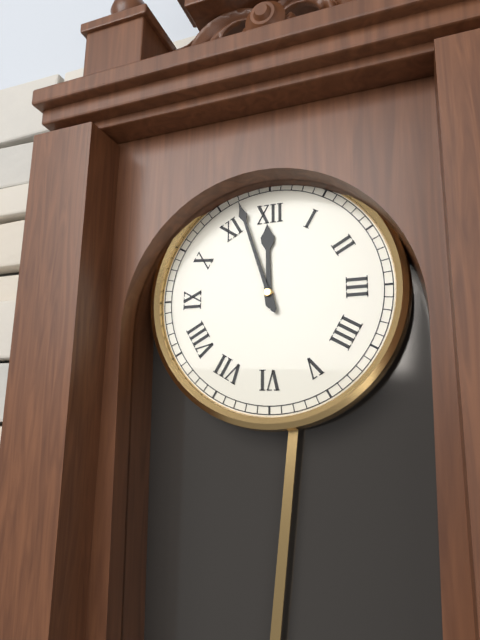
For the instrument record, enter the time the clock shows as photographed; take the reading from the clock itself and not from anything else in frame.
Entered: 11:57
